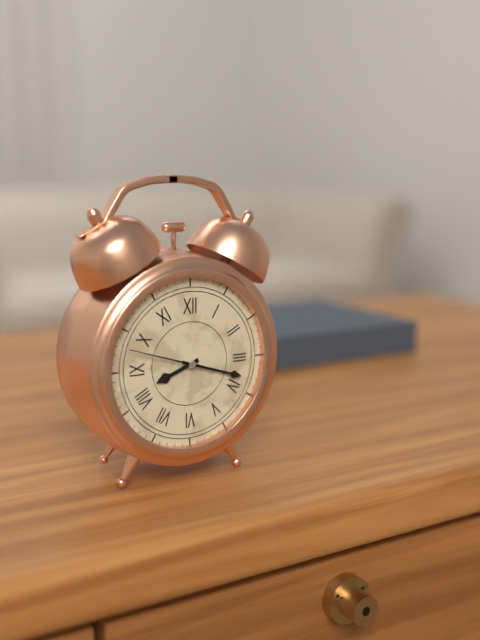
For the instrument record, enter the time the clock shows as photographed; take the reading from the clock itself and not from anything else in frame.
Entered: 8:18:48
